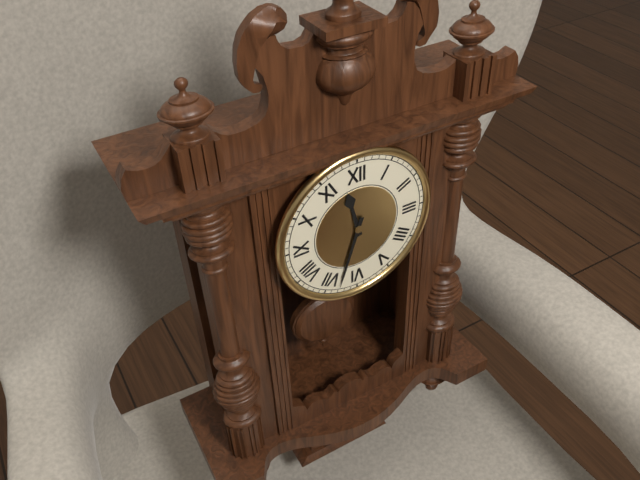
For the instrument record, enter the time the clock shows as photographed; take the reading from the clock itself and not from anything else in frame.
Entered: 11:33
